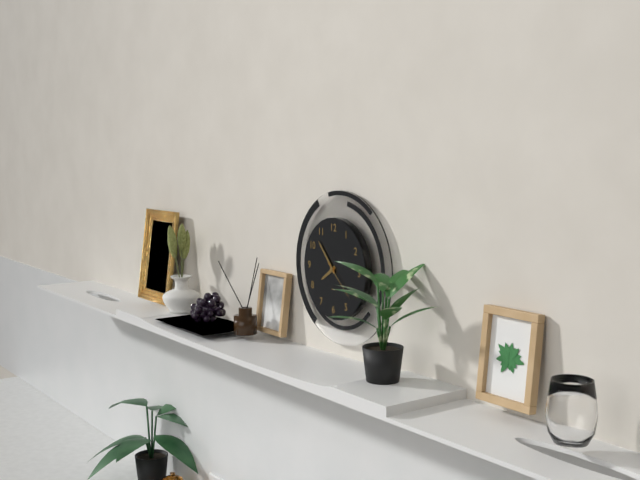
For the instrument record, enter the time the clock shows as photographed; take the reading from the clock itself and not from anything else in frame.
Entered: 7:53
